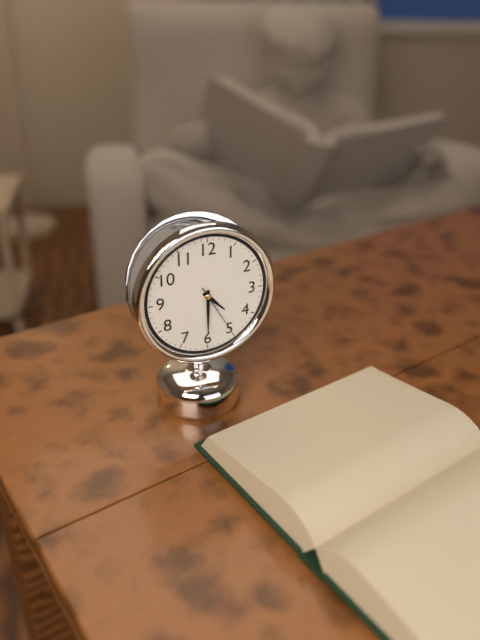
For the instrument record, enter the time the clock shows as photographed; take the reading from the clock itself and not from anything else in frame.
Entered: 4:30:25
